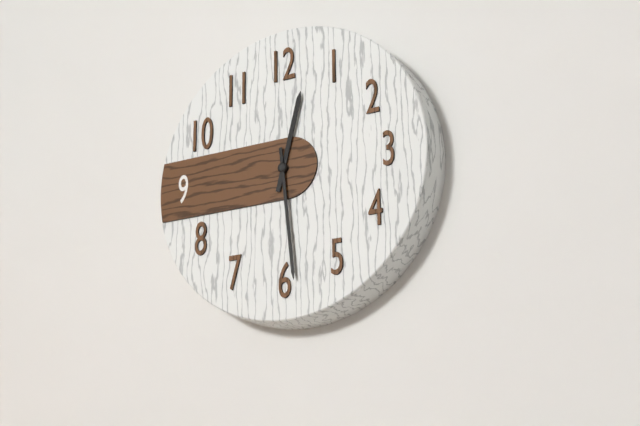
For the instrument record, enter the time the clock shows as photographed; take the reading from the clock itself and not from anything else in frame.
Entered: 12:29
